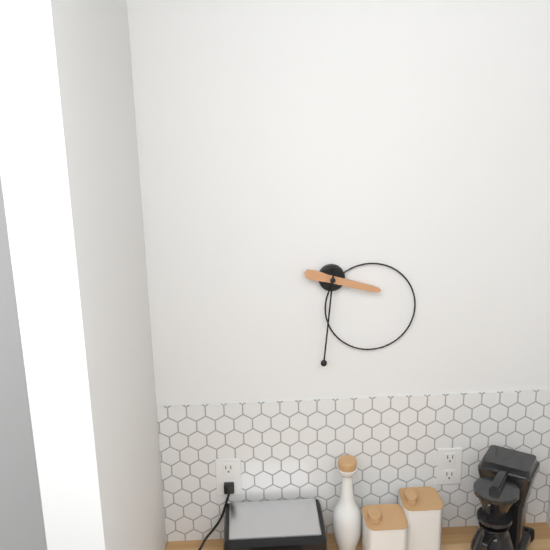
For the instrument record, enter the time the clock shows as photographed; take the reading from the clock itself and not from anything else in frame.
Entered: 3:31
